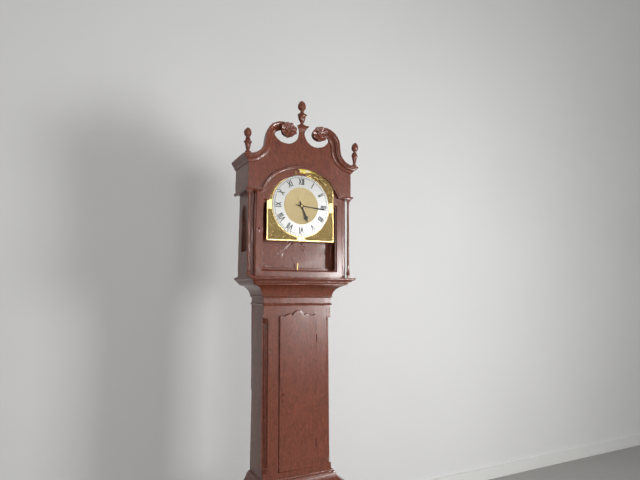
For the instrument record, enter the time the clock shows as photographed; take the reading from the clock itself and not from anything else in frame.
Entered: 5:16
